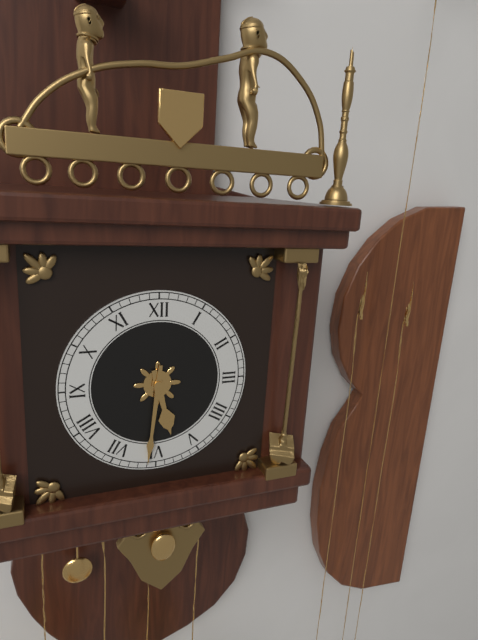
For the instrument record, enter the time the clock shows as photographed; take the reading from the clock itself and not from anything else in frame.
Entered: 5:31
